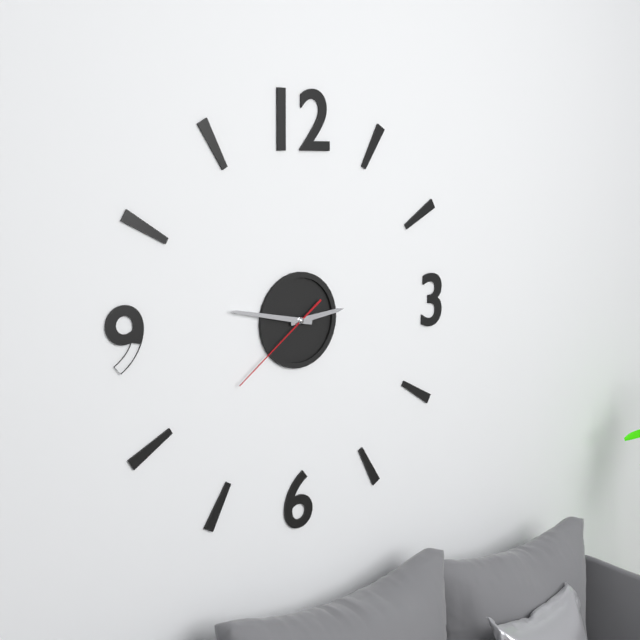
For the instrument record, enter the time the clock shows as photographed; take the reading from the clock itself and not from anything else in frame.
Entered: 2:47:39
